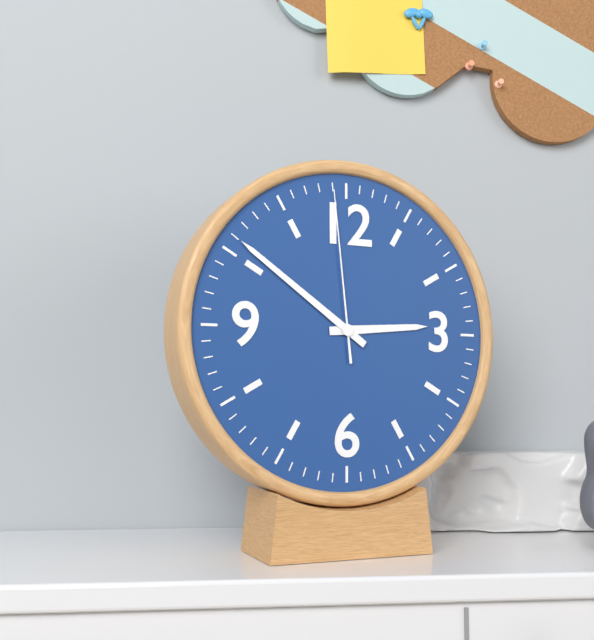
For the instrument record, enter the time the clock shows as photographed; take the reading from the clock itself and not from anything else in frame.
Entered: 2:51:59
